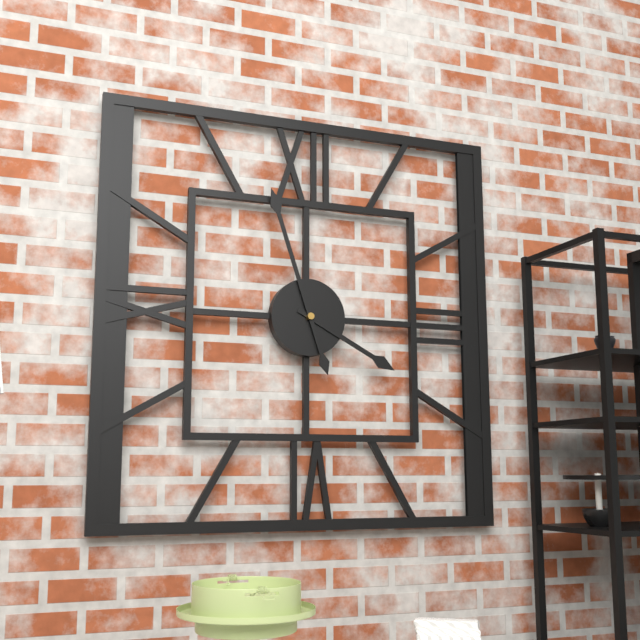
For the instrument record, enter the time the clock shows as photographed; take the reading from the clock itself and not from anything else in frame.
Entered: 3:57
